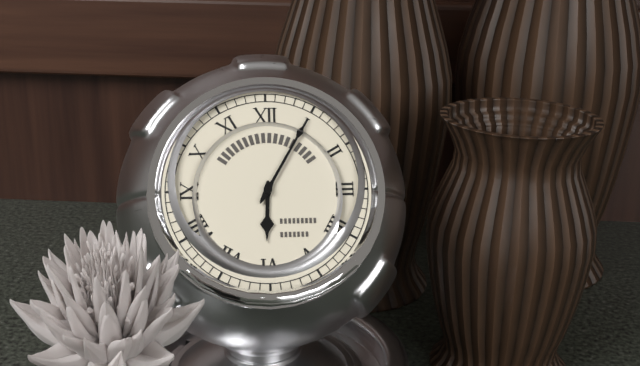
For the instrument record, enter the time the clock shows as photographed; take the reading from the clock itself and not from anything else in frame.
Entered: 6:05
